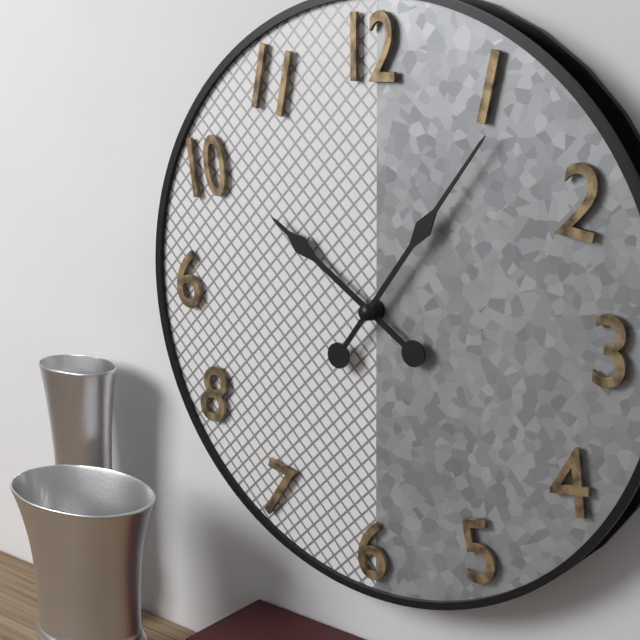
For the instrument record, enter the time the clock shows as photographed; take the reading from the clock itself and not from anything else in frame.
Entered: 10:06
